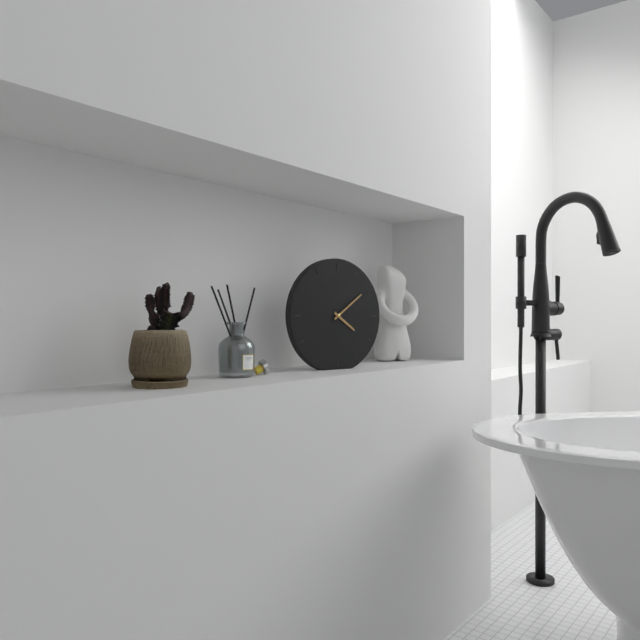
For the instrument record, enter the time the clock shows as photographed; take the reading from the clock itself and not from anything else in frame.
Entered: 4:09
